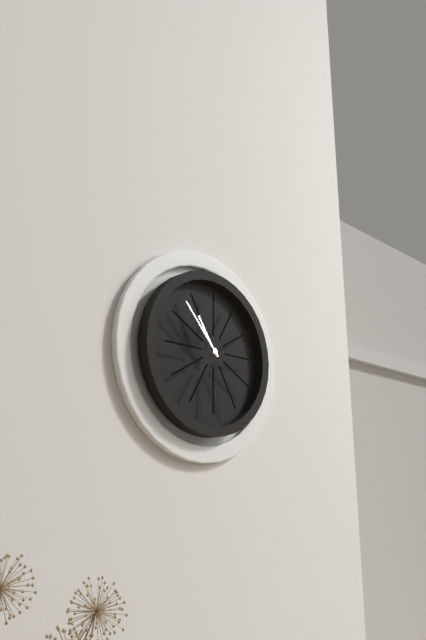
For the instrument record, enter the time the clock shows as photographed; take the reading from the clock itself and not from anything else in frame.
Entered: 10:53
